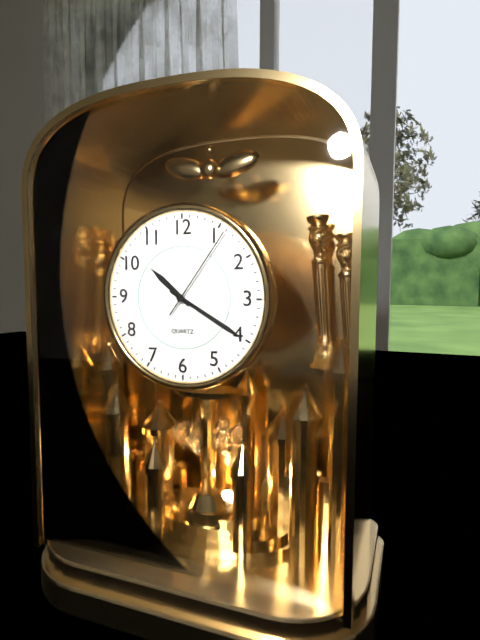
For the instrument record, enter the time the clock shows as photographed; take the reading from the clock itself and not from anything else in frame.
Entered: 10:20:06
